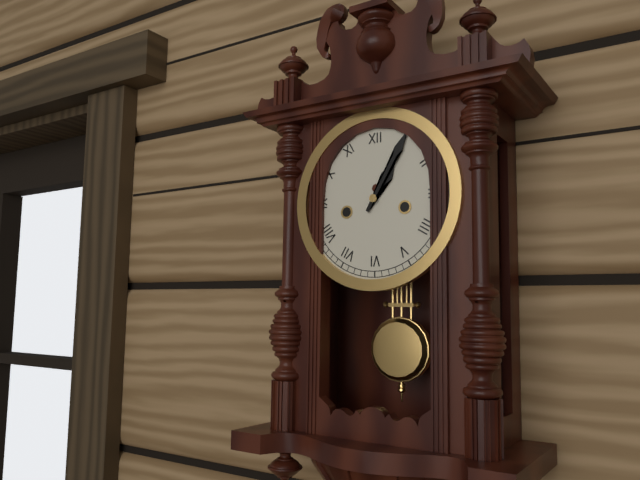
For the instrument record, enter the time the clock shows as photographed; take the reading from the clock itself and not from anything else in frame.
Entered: 1:05
